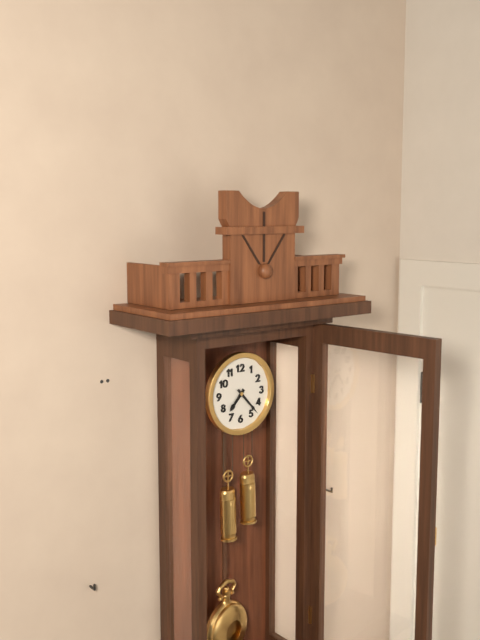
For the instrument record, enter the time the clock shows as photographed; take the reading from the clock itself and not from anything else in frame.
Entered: 7:23
